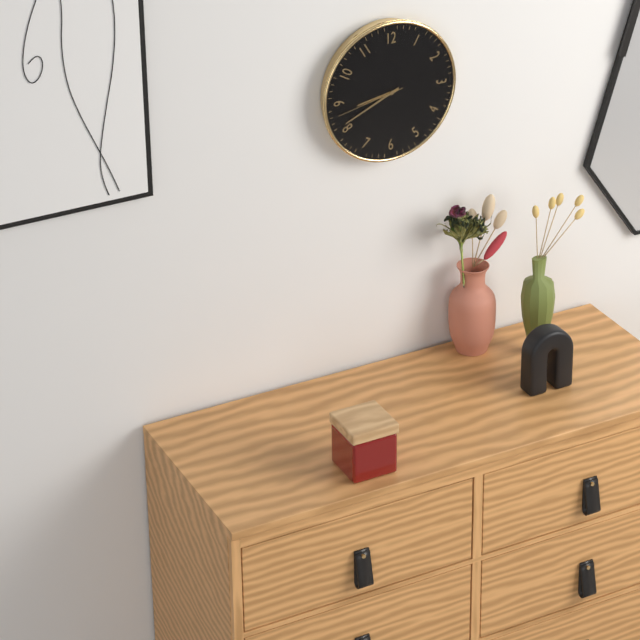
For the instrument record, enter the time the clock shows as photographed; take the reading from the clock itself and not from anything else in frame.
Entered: 8:41:43
